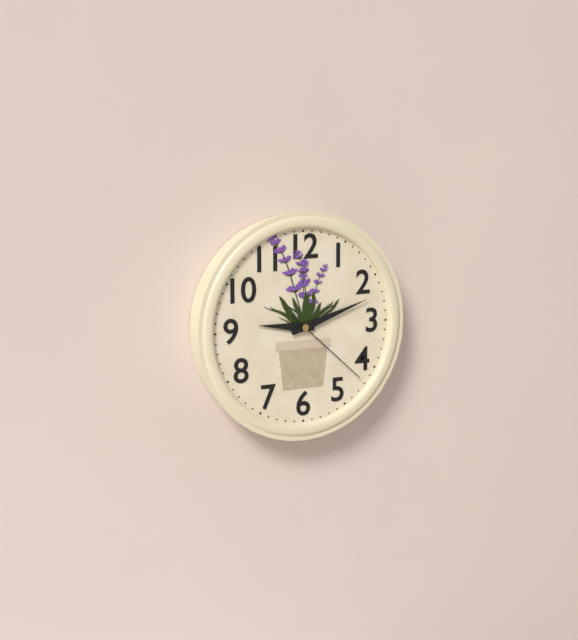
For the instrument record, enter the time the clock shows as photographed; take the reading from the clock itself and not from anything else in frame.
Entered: 9:12:22
